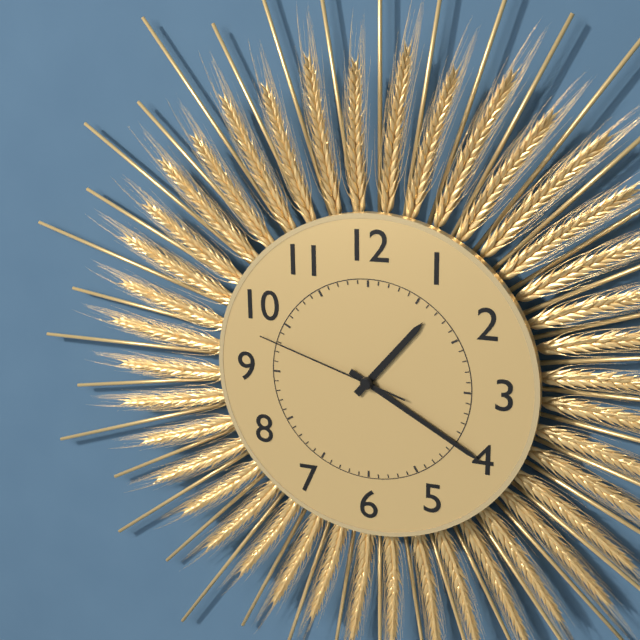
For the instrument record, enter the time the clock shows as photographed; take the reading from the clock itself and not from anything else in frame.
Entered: 1:20:48
